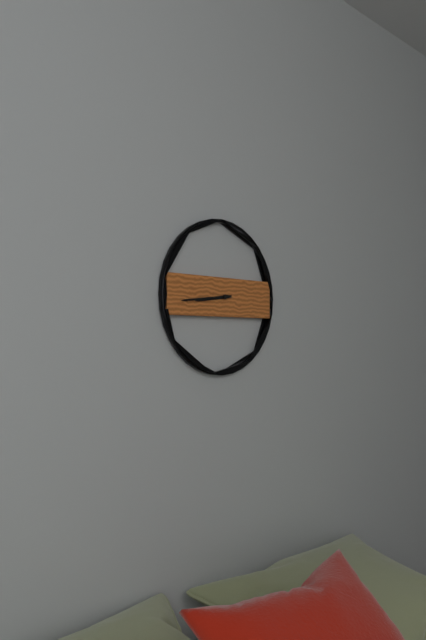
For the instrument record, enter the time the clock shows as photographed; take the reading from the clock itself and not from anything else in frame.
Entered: 8:44
